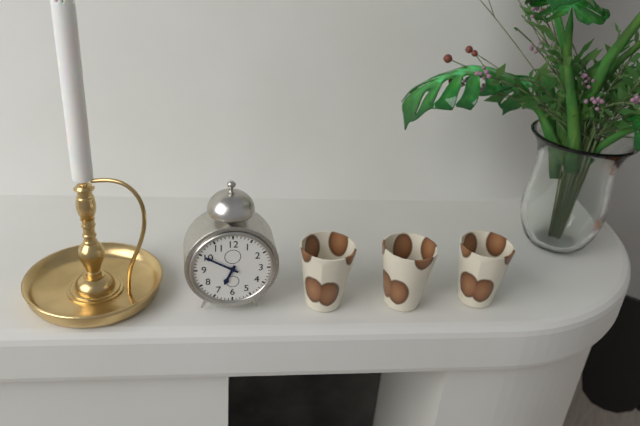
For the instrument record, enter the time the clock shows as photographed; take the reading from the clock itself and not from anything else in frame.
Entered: 6:50
